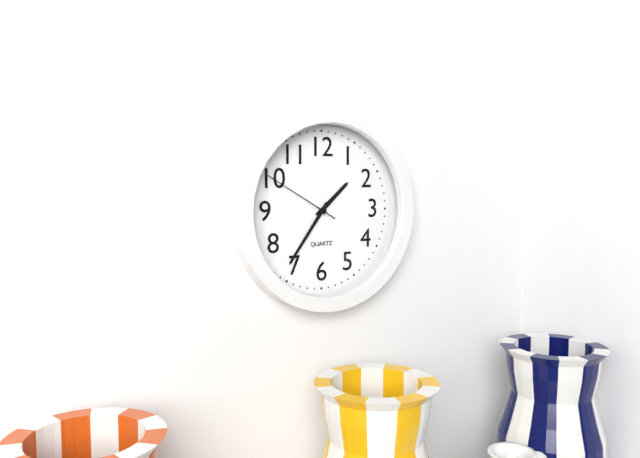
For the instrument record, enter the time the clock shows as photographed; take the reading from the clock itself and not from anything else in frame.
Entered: 1:36:50
